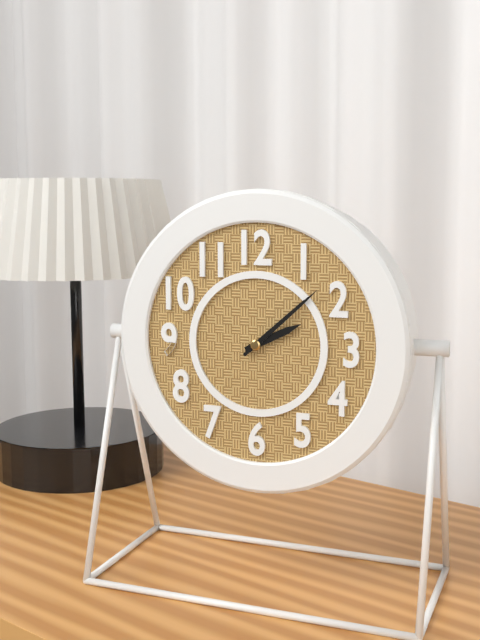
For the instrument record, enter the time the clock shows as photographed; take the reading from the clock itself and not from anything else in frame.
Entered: 2:08
